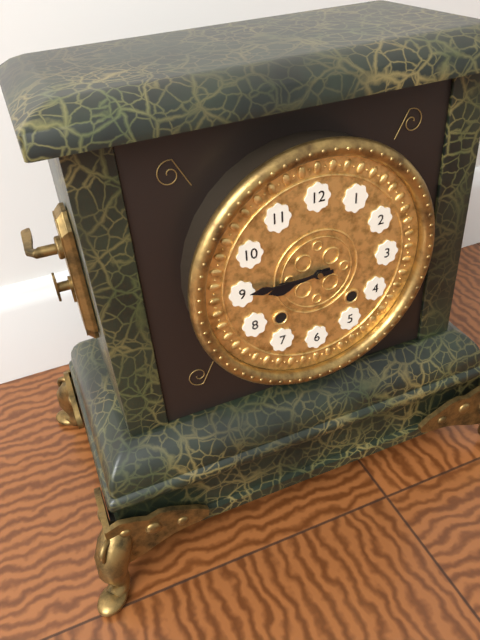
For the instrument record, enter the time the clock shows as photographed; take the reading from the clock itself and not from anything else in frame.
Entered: 8:45
